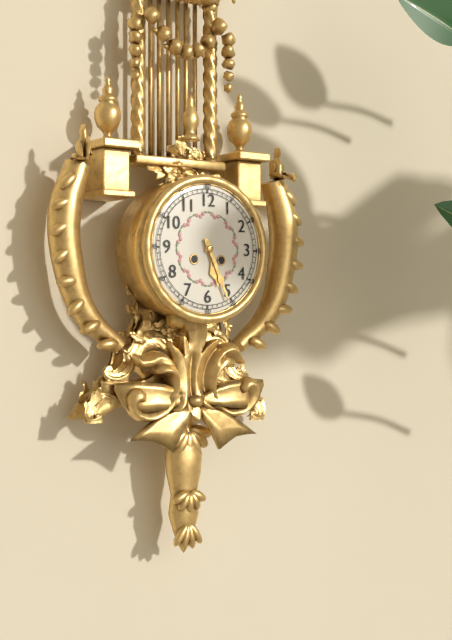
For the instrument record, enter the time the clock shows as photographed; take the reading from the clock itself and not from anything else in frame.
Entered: 5:26
